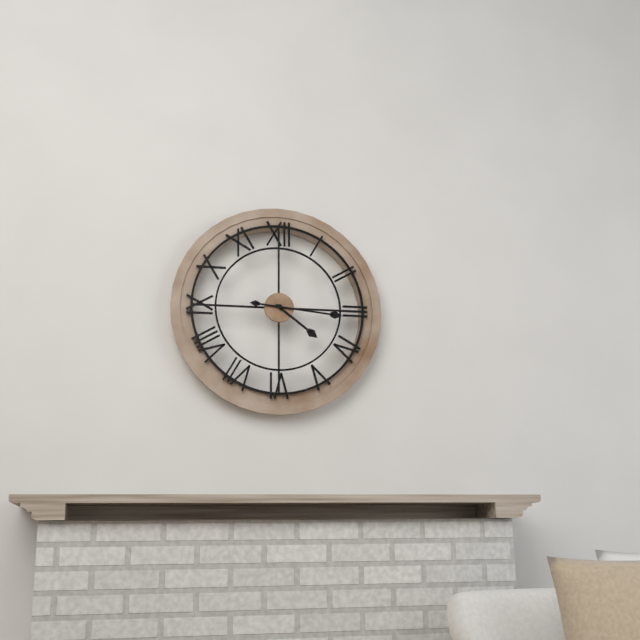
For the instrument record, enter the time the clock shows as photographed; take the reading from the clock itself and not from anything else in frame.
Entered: 4:16
